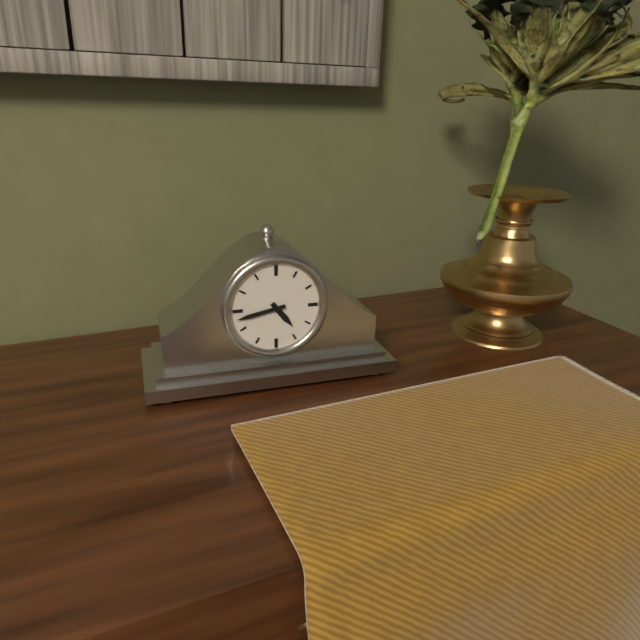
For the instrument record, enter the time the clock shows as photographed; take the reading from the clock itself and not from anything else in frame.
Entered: 4:43
